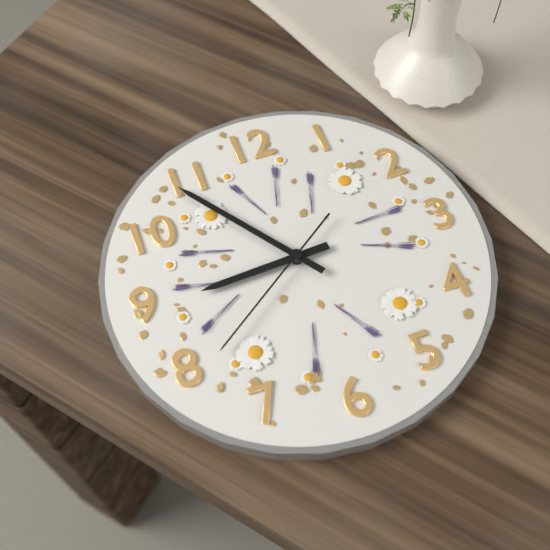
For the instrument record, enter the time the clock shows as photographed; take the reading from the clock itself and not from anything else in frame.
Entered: 8:54:39
